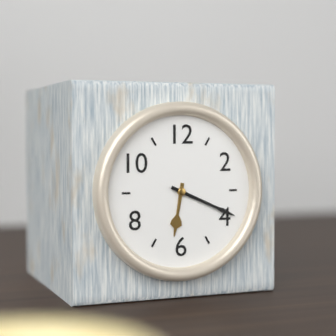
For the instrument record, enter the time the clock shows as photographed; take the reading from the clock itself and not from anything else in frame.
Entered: 6:19
